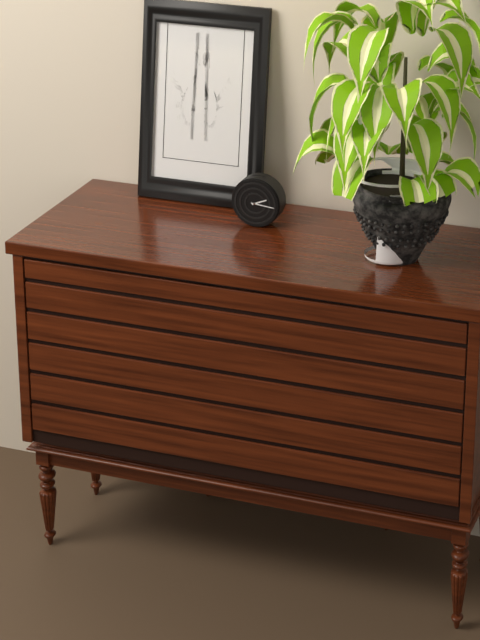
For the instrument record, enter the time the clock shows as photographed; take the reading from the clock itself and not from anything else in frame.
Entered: 2:16
